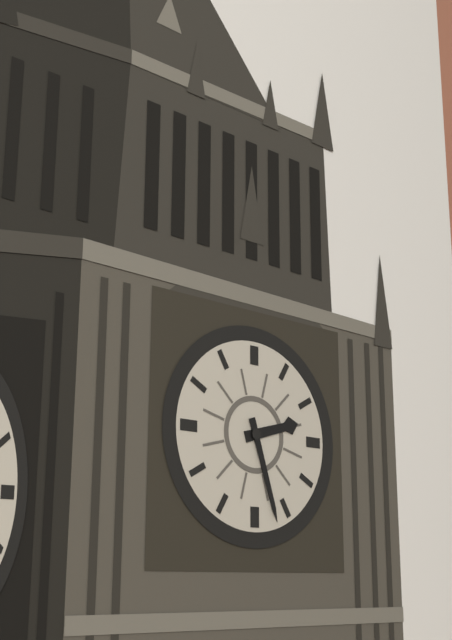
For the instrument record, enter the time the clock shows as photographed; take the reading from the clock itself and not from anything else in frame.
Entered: 2:27
